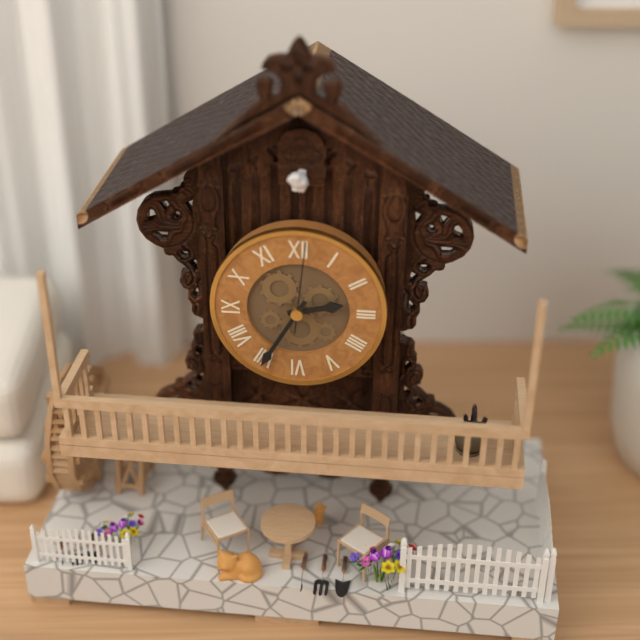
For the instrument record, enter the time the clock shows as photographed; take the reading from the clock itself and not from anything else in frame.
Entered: 2:35:01
